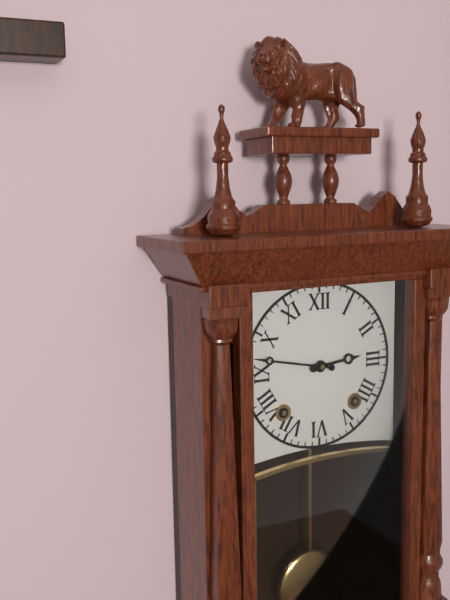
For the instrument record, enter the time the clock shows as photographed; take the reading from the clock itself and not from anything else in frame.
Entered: 2:47
